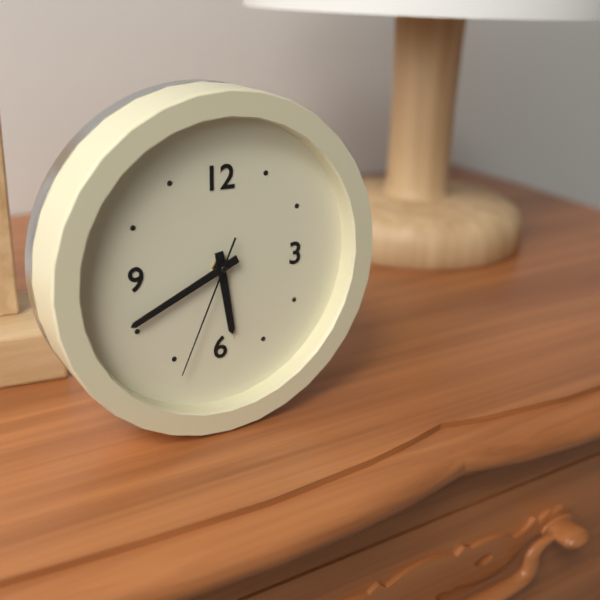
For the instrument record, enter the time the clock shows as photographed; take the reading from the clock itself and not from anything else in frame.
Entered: 5:41:34
